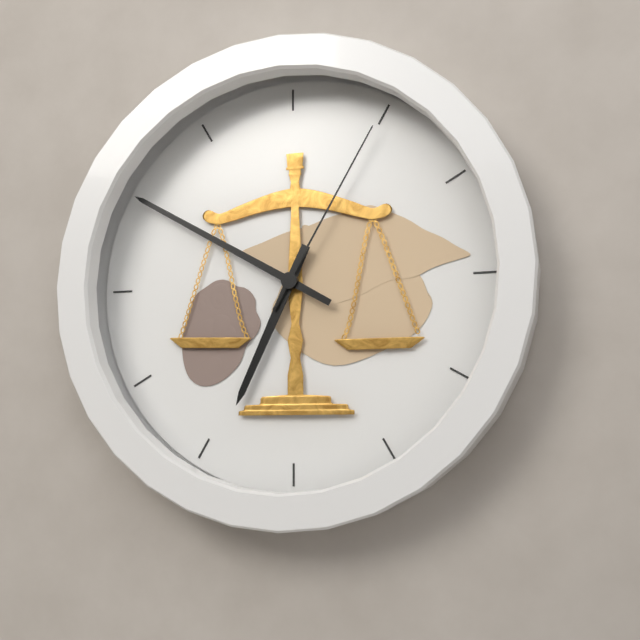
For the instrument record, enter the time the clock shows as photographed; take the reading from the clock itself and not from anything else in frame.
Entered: 6:50:05
